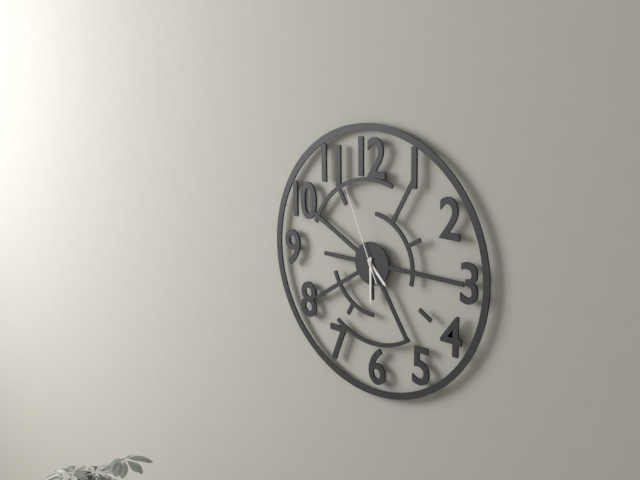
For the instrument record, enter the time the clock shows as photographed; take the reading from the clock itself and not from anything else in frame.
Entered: 4:30:56
